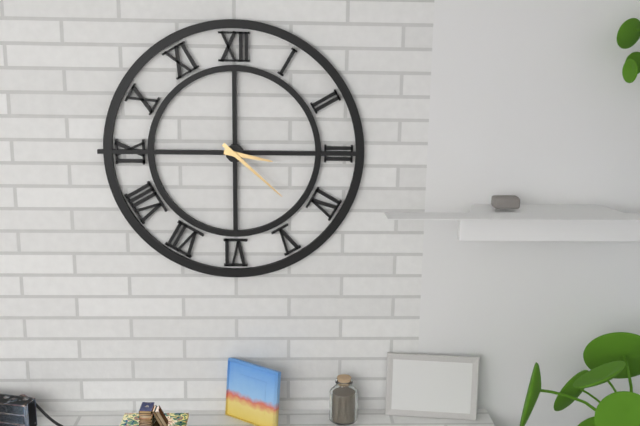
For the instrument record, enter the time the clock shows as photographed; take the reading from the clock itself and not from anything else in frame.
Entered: 3:22
